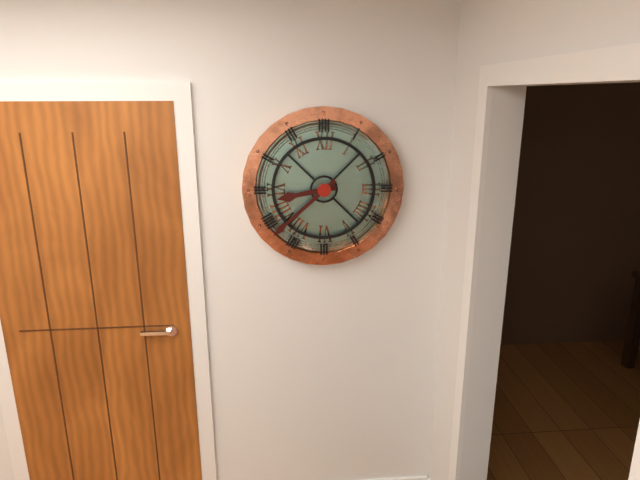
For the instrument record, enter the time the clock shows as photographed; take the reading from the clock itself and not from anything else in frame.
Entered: 8:38
